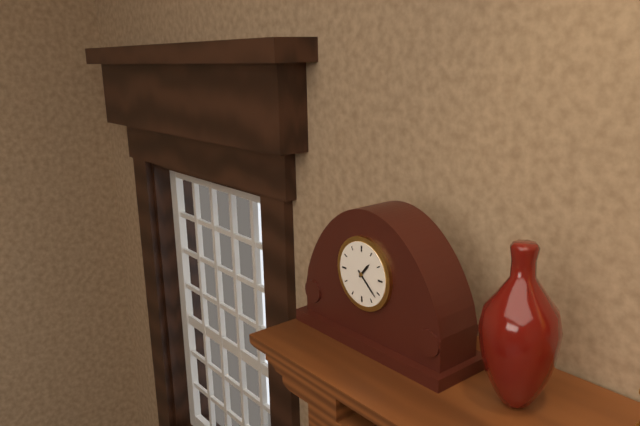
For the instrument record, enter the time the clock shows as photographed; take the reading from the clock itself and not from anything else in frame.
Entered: 1:22
